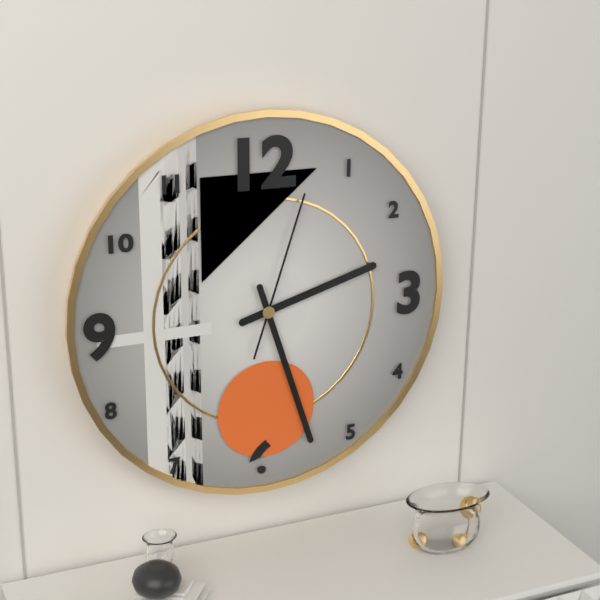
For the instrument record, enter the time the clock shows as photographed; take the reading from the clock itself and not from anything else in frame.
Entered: 2:27:03
